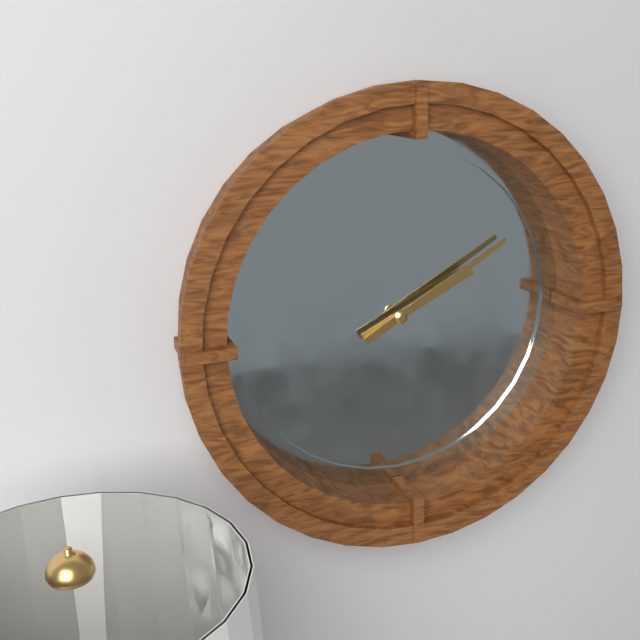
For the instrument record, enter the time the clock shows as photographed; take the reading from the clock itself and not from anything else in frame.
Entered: 2:10
